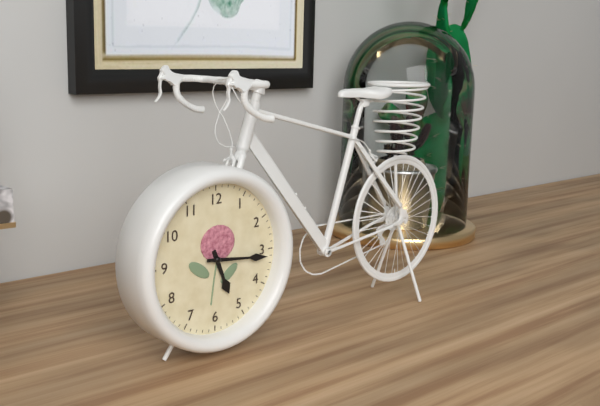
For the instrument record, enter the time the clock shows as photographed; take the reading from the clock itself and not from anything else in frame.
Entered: 5:16
